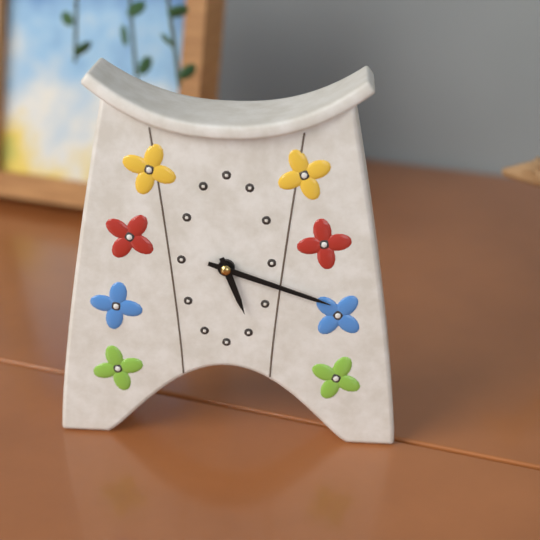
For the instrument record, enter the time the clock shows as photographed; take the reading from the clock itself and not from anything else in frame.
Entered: 5:18
